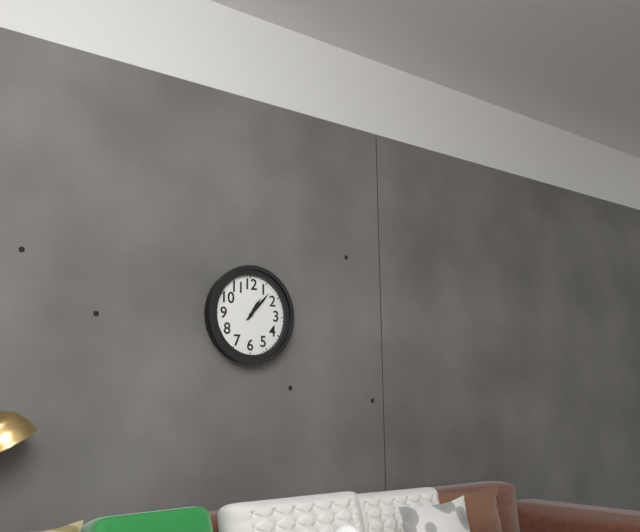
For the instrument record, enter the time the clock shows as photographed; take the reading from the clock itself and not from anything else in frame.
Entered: 1:07
